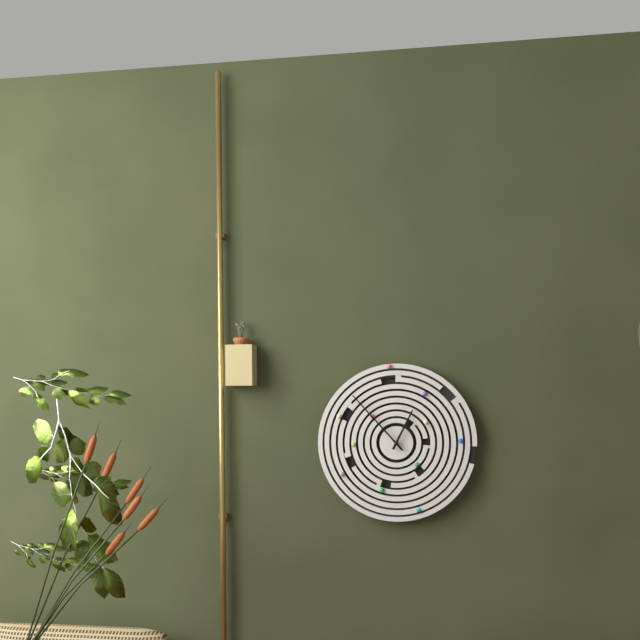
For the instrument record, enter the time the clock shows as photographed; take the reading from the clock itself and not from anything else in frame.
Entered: 12:53
